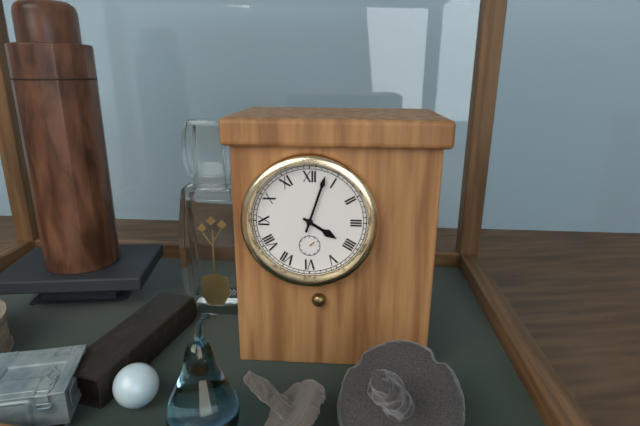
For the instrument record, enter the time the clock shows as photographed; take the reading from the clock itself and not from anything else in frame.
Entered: 4:03
